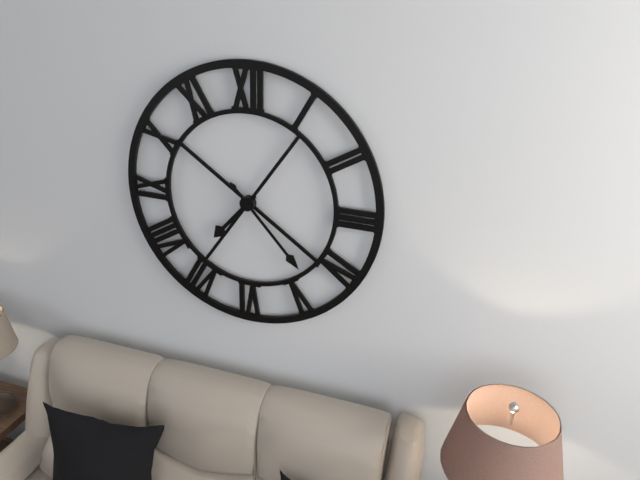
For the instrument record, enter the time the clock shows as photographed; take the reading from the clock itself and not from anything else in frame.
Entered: 7:23
